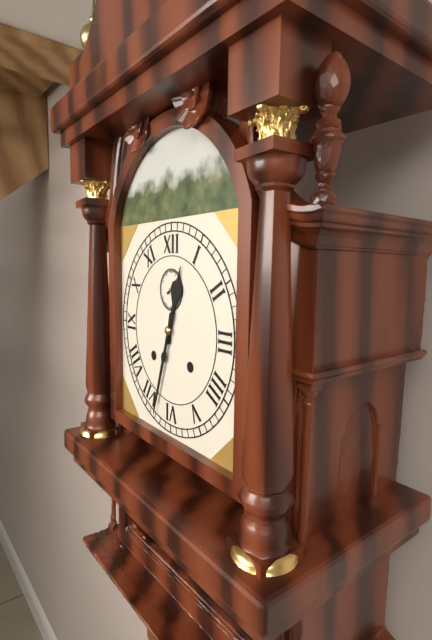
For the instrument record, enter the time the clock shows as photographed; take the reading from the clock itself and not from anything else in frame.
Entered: 12:33
